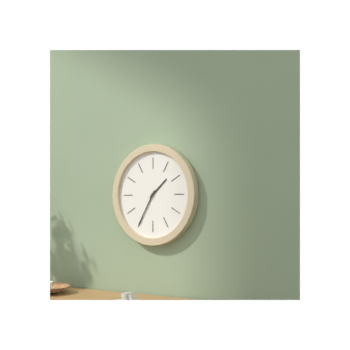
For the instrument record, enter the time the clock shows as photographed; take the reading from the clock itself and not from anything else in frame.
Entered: 1:35
